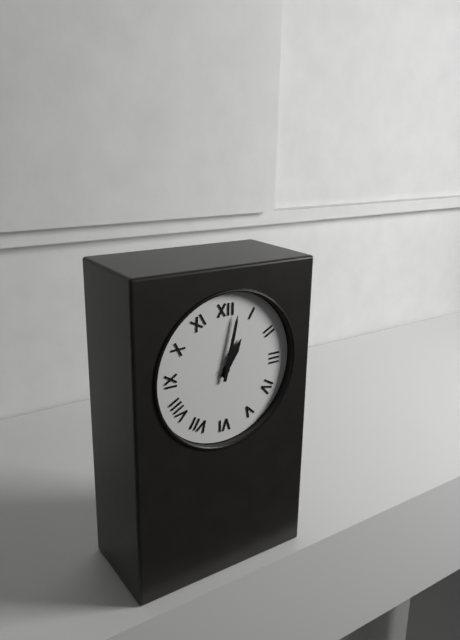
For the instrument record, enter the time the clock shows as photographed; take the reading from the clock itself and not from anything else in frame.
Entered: 1:02
